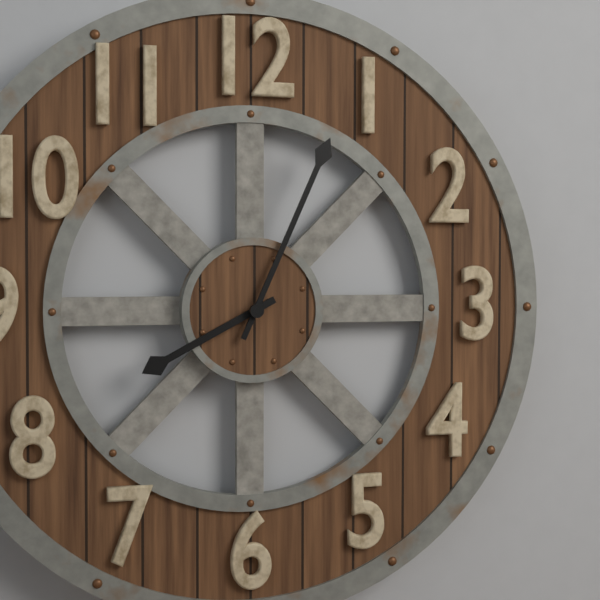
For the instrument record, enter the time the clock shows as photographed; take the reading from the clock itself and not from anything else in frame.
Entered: 8:04
